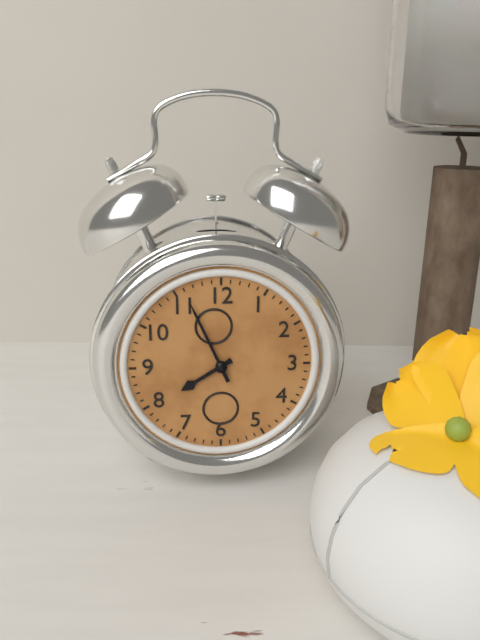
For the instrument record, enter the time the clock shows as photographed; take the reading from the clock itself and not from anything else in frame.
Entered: 7:56
